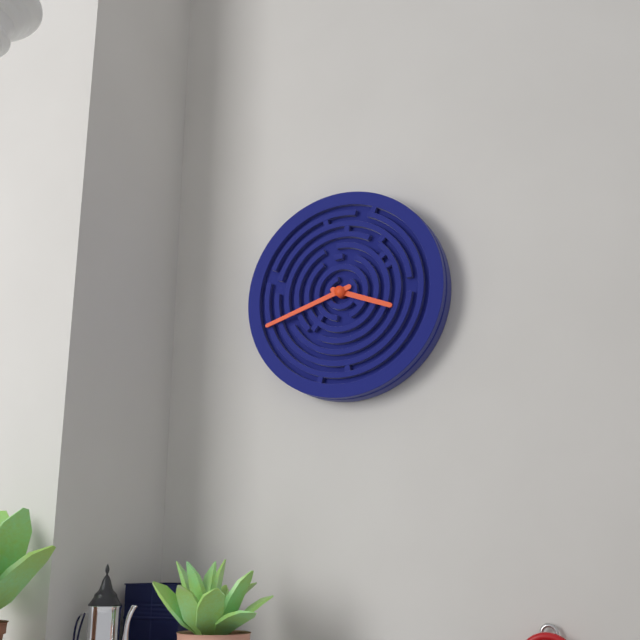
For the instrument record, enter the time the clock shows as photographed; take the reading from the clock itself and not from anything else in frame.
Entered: 3:42
